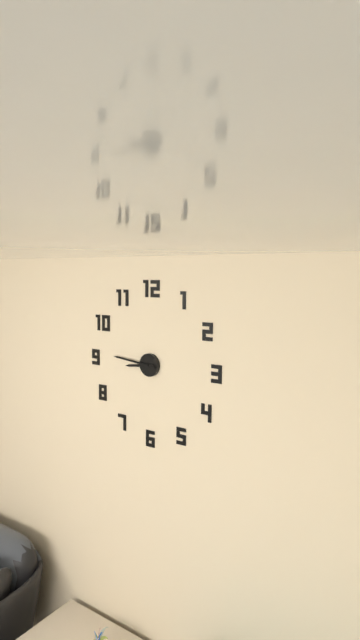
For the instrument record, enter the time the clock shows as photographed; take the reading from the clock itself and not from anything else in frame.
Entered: 8:46
